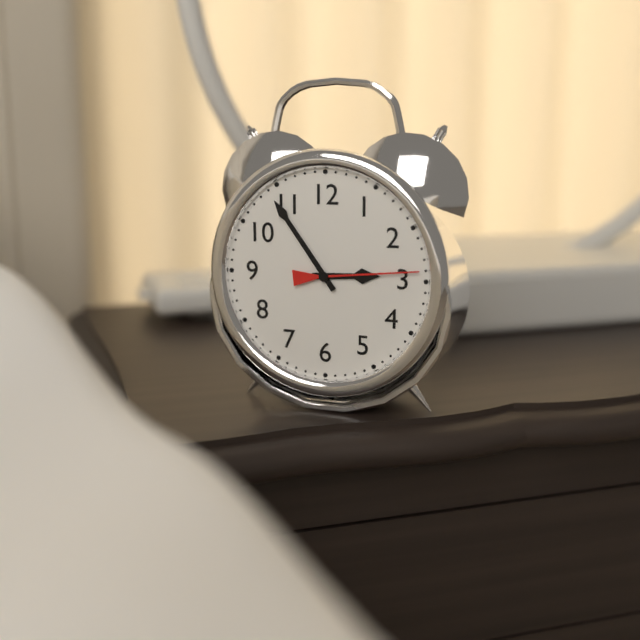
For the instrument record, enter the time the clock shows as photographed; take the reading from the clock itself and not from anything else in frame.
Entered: 2:54:14
